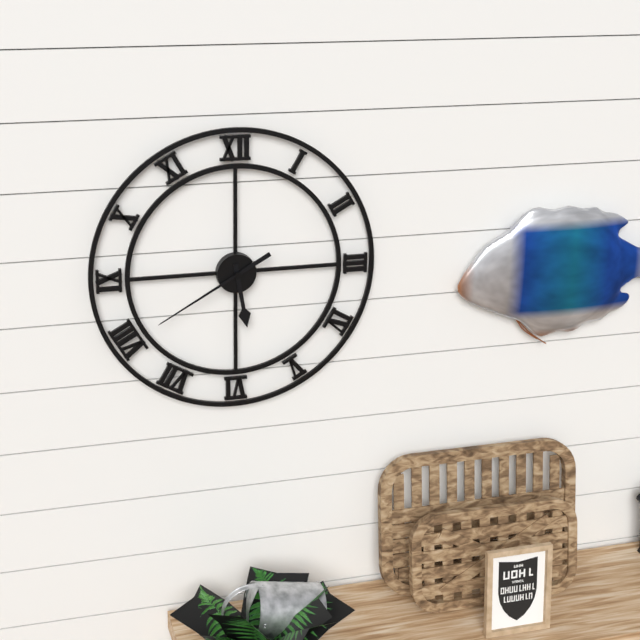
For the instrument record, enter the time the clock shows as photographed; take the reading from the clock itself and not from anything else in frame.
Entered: 5:40
